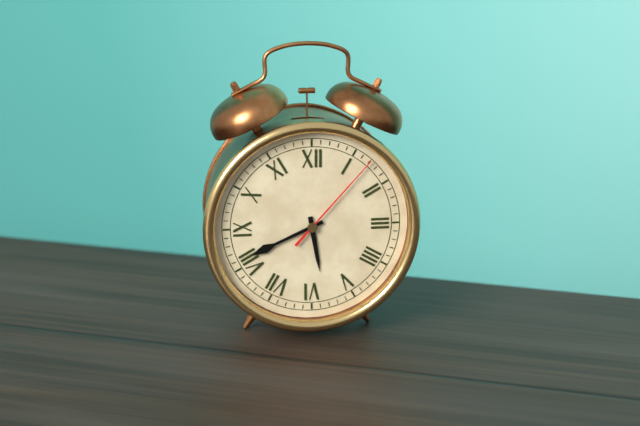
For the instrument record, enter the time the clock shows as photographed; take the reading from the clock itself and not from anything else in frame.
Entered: 5:41:07
